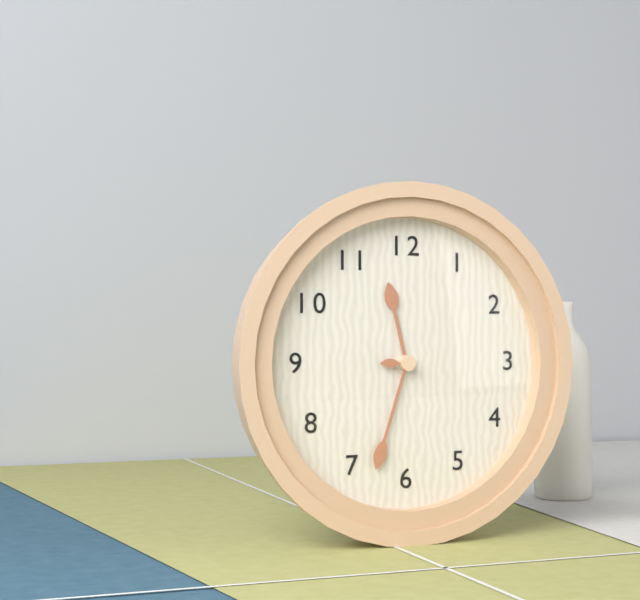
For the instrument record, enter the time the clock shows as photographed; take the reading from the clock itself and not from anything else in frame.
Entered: 11:33
